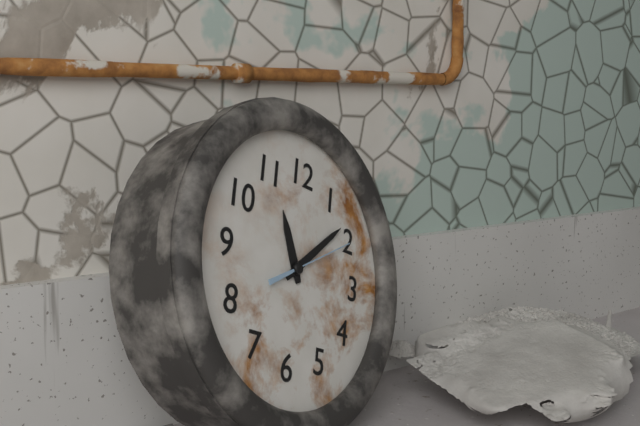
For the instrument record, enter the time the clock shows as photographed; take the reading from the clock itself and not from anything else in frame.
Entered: 11:08:10
